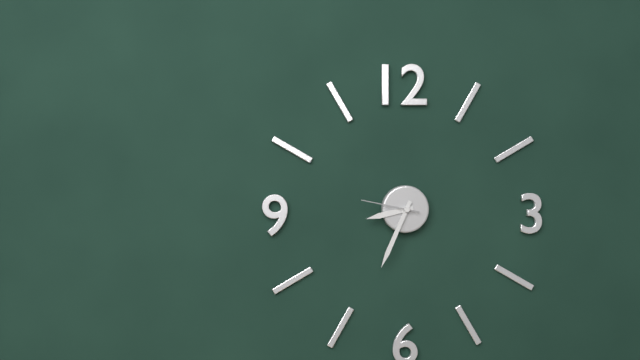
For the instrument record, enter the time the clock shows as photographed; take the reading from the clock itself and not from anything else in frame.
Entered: 8:34:47
